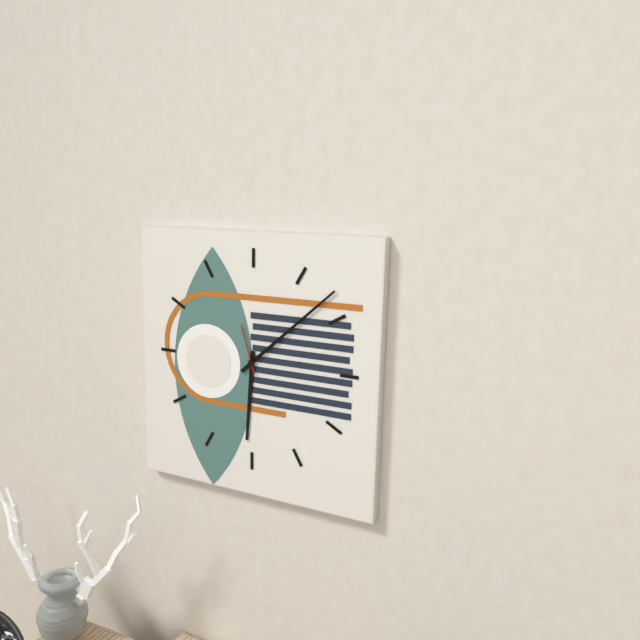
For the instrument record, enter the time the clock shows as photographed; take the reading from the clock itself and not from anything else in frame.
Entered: 6:08
